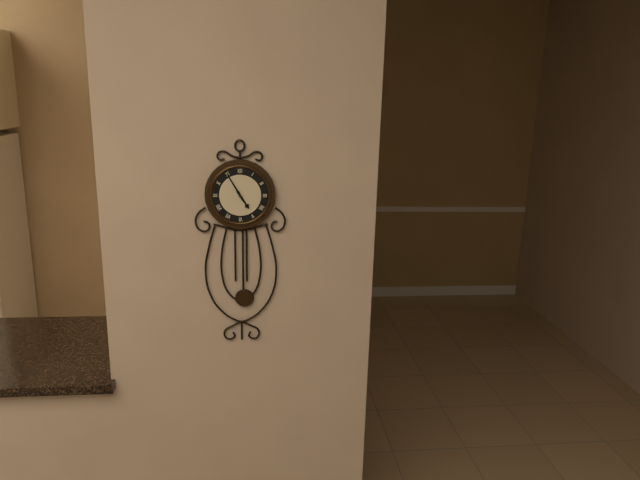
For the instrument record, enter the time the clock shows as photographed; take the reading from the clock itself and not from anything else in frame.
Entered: 4:55
